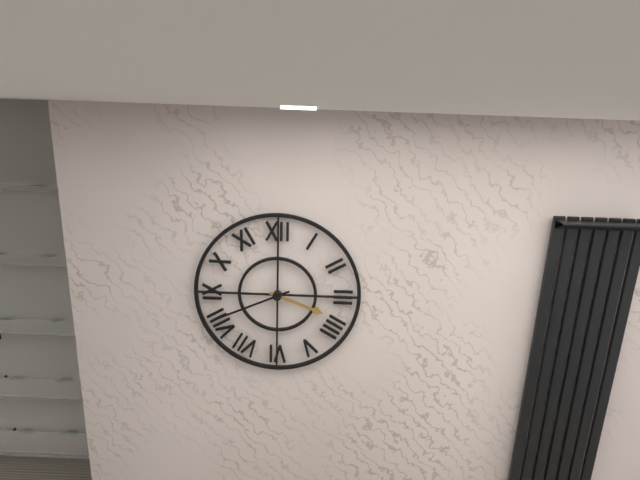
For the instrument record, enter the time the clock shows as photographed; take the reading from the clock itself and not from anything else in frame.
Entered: 3:41
